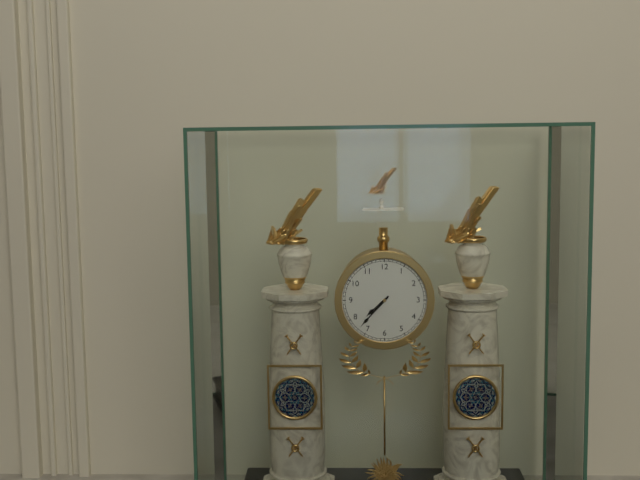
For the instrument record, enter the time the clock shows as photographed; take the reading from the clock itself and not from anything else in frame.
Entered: 7:37
